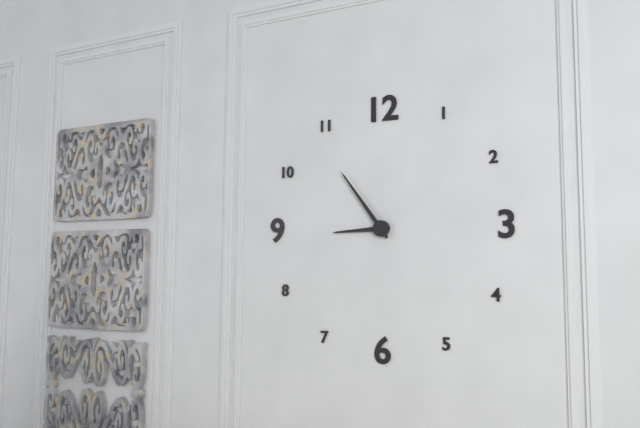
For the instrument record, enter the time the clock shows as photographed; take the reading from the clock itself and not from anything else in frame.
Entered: 8:54
